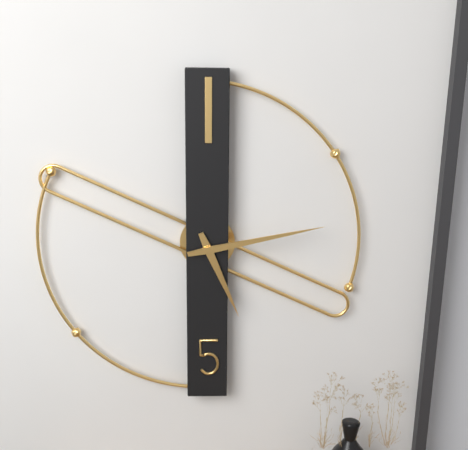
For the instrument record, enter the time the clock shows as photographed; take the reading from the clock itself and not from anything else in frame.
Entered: 5:13
